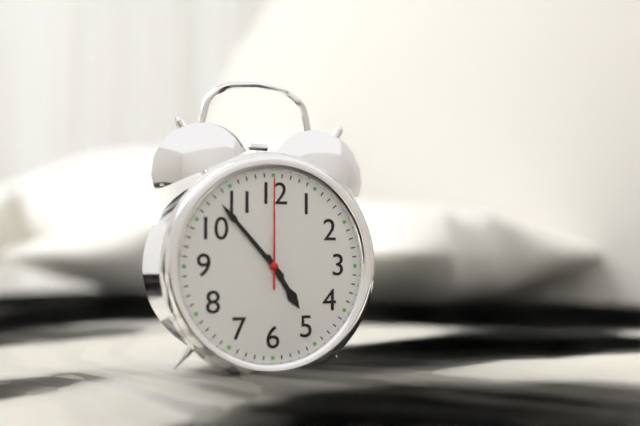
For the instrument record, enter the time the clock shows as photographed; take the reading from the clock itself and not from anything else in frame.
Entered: 4:53:00
